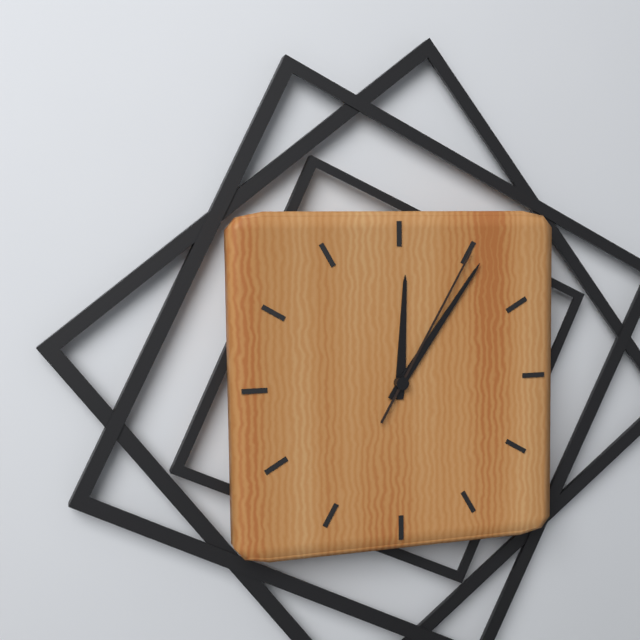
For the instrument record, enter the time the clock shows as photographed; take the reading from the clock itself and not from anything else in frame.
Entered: 12:06:05
